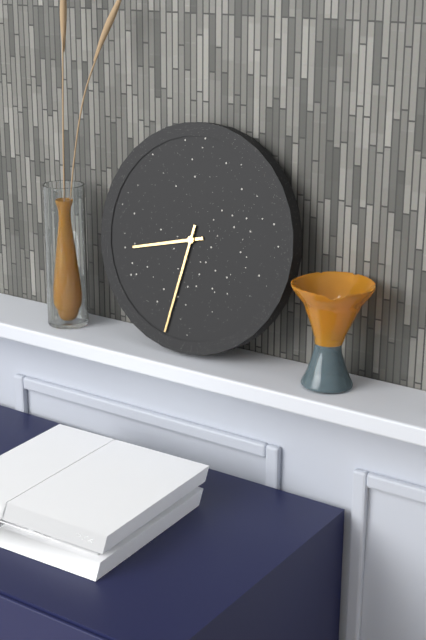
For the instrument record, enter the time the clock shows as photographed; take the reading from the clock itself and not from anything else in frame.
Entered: 8:32
